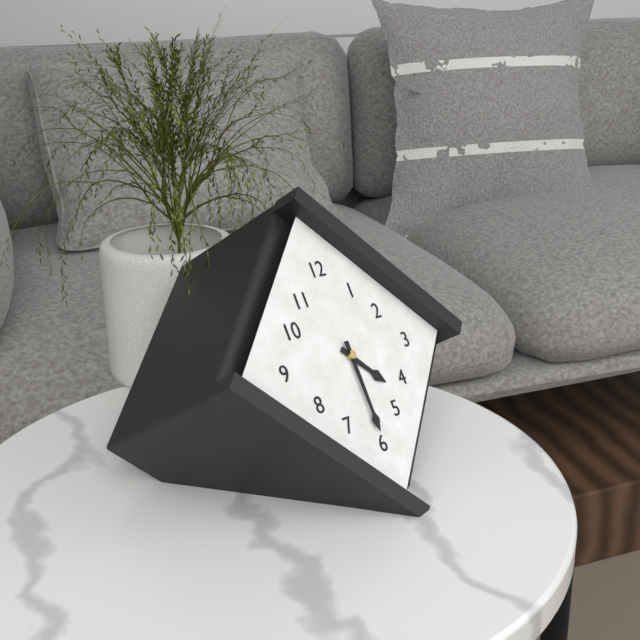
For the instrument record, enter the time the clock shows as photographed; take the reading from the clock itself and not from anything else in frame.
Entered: 4:30
